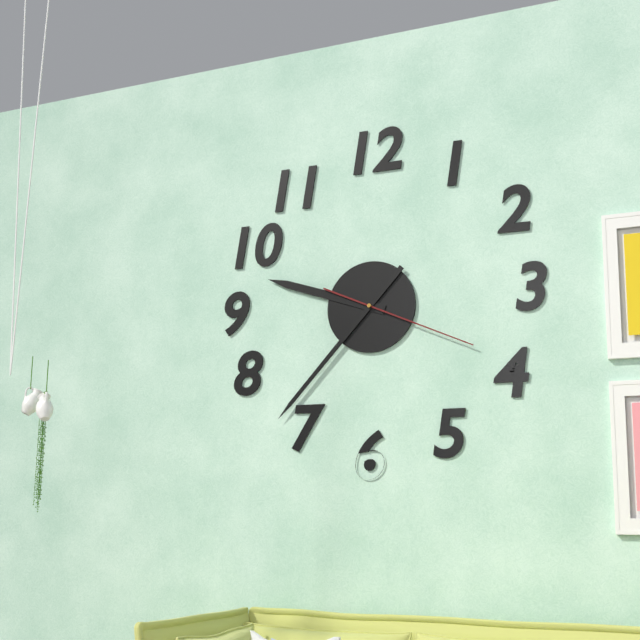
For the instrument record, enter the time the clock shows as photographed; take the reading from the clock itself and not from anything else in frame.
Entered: 9:37:19
